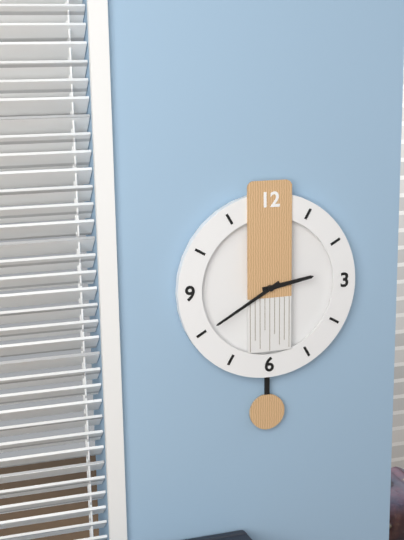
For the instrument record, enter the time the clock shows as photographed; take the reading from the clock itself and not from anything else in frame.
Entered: 2:40
